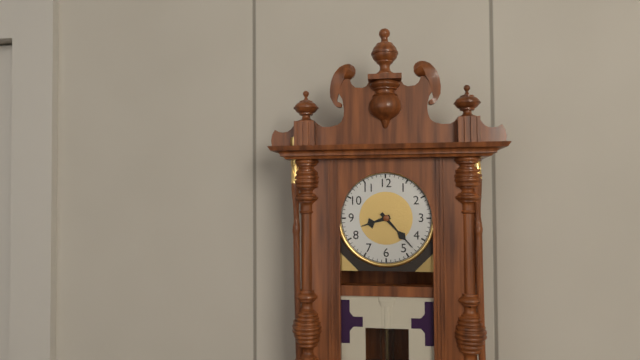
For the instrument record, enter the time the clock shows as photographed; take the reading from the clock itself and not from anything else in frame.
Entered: 8:23
